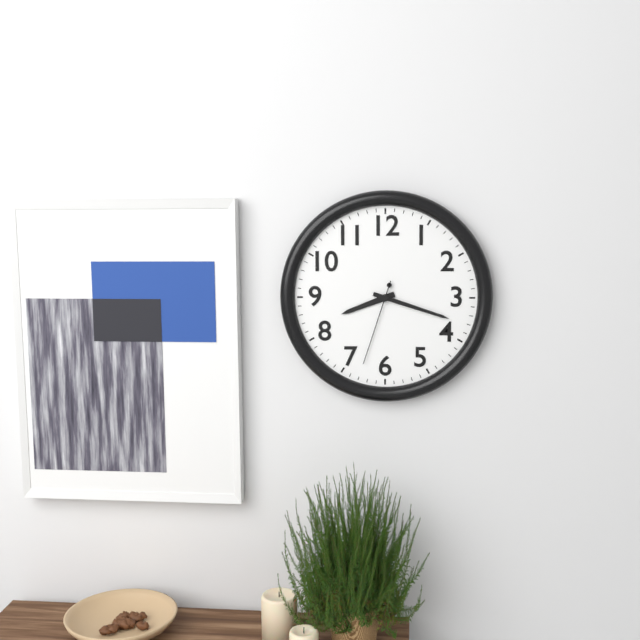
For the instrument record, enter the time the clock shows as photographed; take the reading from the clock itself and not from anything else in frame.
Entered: 8:18:33
